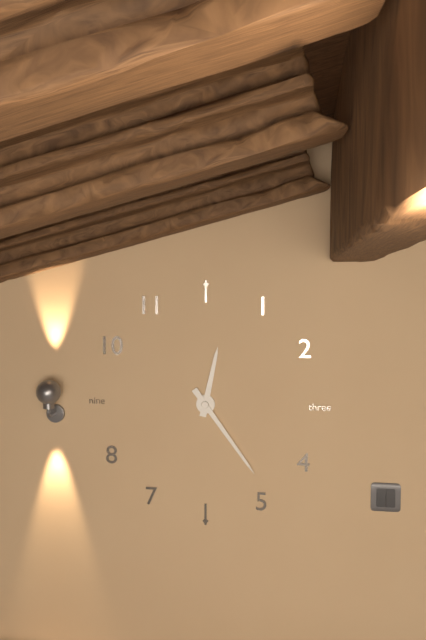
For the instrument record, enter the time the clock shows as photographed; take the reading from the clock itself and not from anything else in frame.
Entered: 12:24
